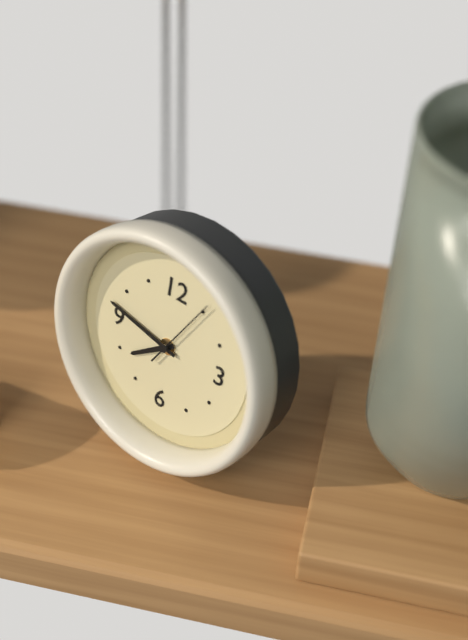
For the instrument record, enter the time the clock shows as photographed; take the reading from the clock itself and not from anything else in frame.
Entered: 7:47:05
